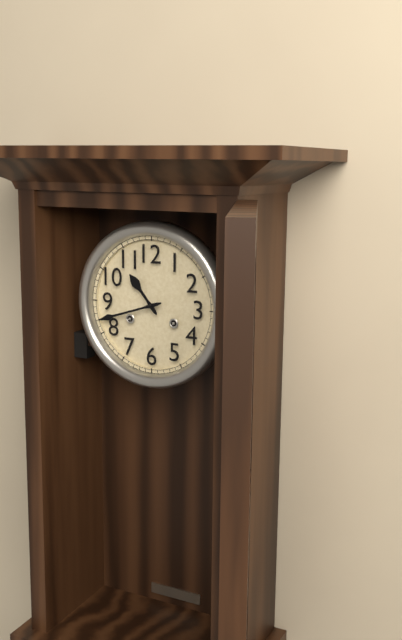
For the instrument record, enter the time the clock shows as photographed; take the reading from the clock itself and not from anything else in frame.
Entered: 10:42
